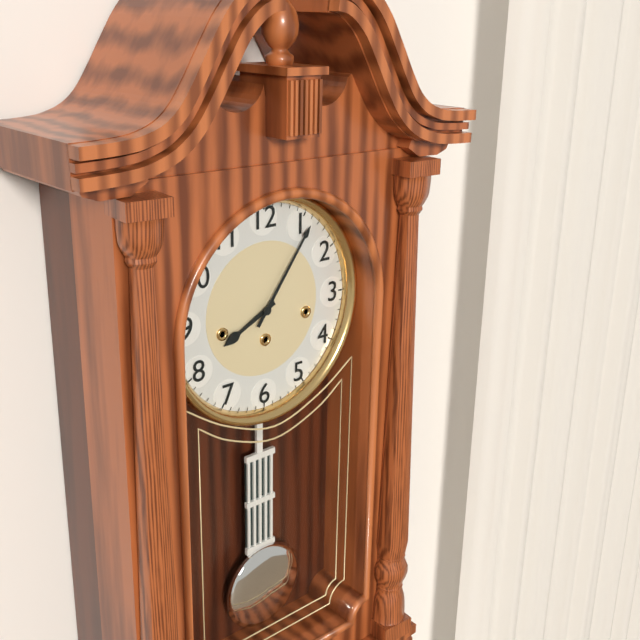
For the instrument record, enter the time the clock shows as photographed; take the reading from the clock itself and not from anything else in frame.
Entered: 8:06
